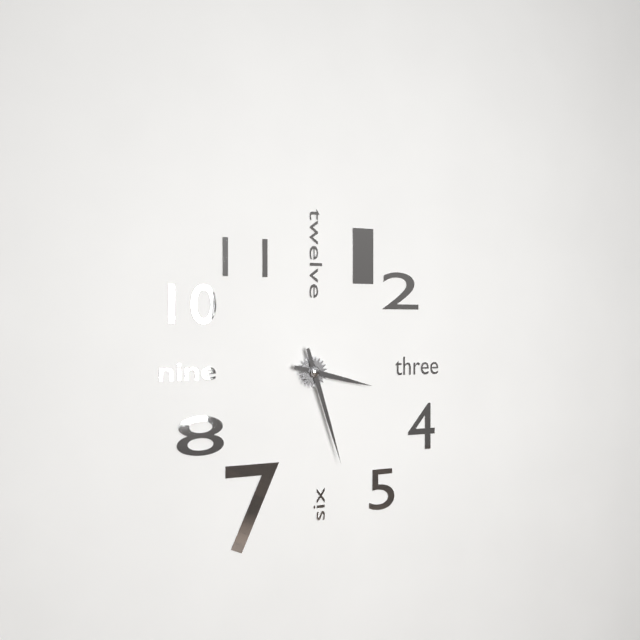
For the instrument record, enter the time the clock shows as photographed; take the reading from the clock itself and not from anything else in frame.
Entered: 3:27
